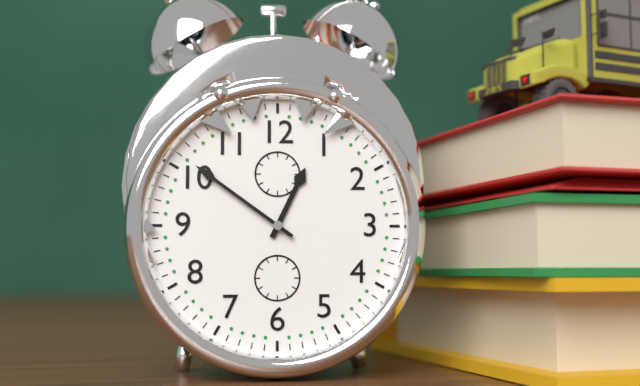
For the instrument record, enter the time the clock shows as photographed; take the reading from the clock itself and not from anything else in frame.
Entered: 12:51
